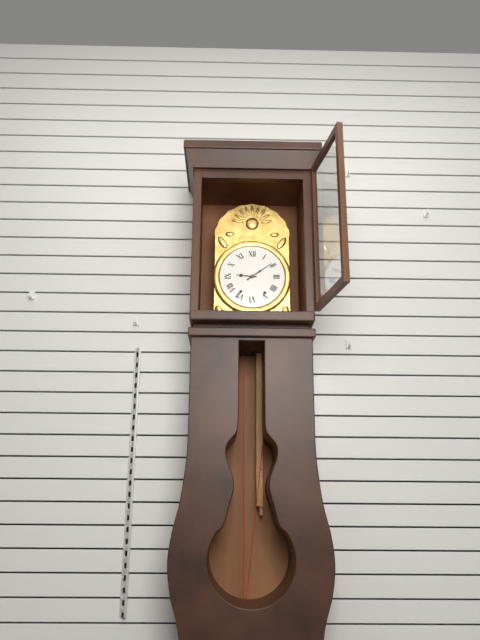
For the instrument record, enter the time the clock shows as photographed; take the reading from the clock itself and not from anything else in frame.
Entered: 9:09
